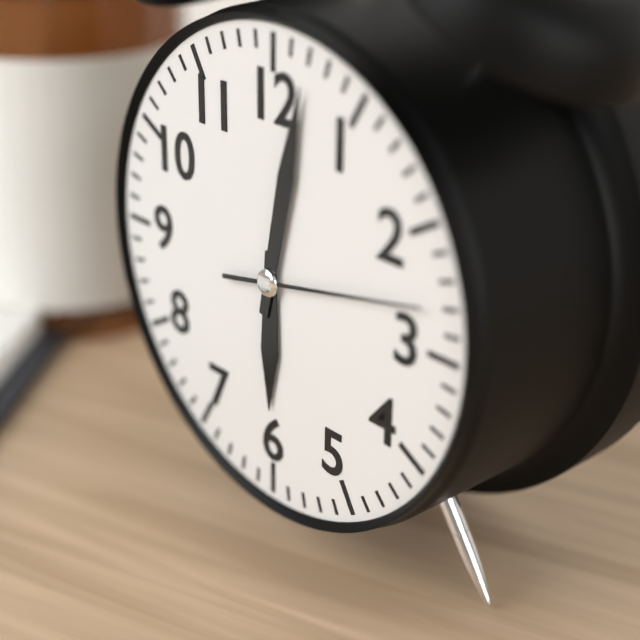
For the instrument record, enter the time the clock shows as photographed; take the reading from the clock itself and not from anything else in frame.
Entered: 6:02:13
